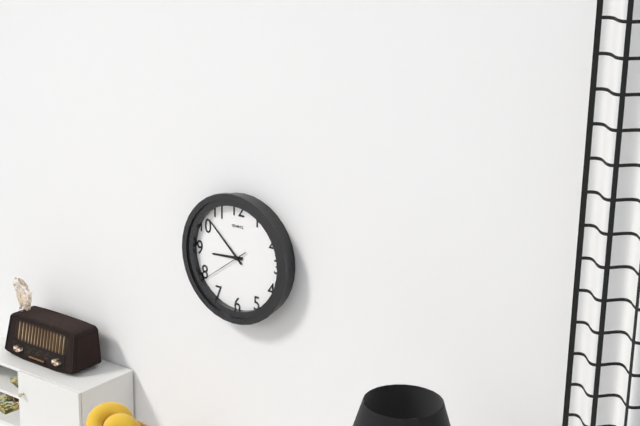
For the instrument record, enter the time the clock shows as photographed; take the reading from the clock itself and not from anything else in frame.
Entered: 8:52
